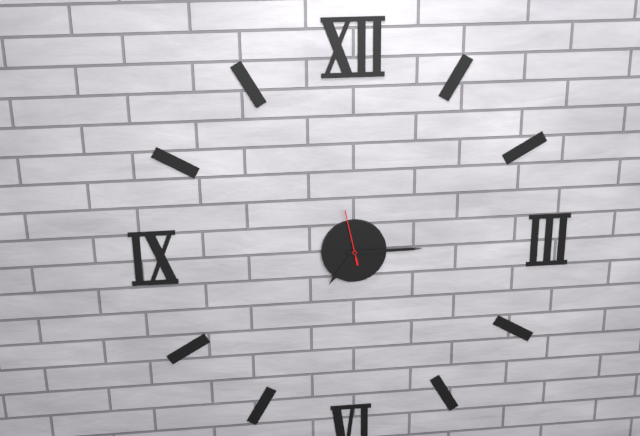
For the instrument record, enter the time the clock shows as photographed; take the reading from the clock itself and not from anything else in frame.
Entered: 7:15:58
